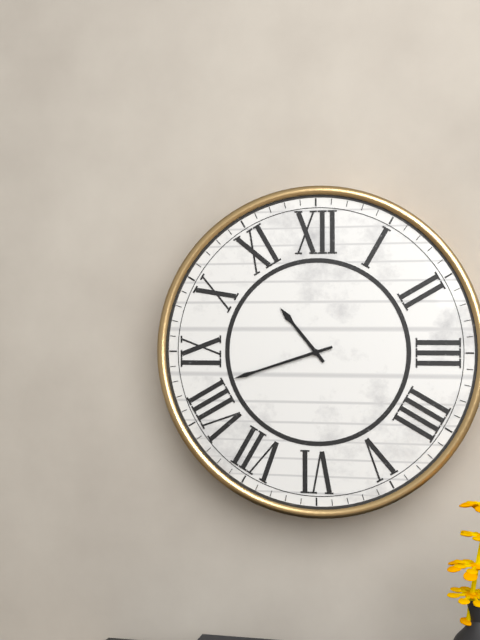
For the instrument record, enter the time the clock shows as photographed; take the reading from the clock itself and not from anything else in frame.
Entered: 10:42
